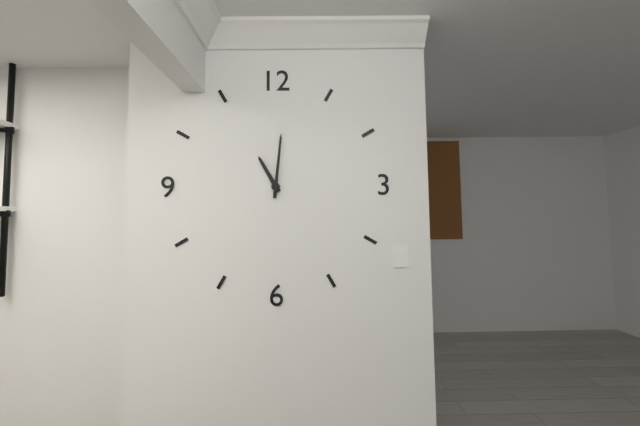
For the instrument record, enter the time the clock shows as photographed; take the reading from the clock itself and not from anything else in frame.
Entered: 11:01
